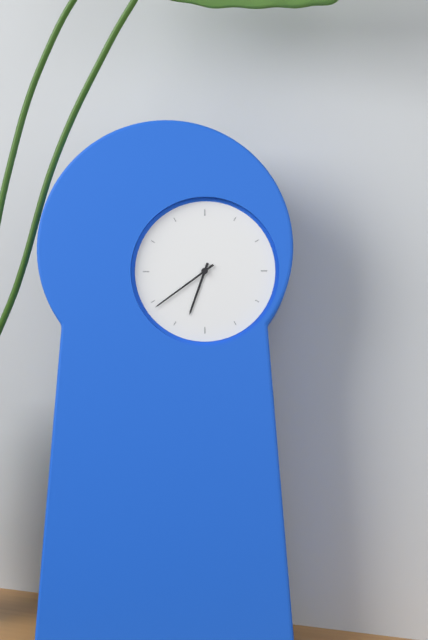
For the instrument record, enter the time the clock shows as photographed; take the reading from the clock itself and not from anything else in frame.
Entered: 6:39
